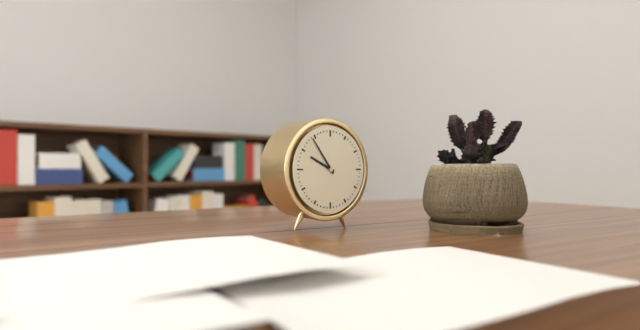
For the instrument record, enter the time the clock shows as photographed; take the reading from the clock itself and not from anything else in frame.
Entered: 9:54
